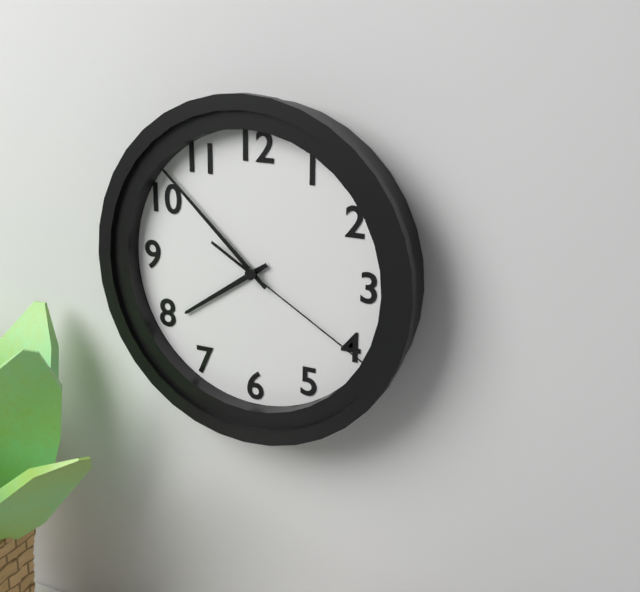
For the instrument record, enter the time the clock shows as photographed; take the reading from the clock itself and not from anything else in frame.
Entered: 7:52:20
